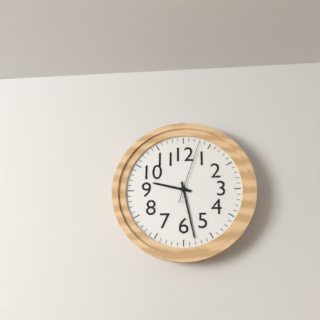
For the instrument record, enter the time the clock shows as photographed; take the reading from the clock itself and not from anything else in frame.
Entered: 9:28:03
